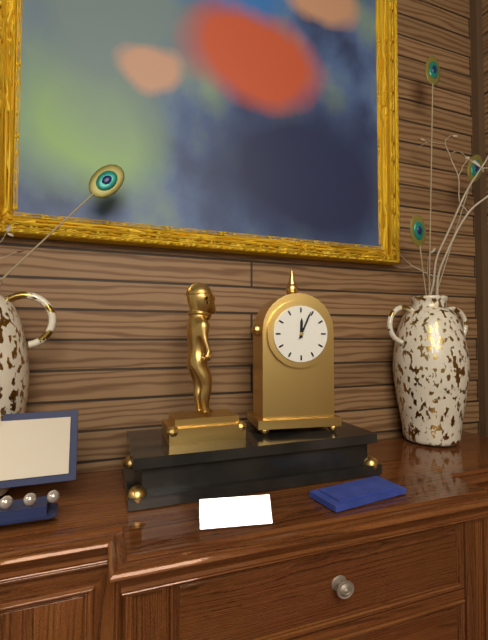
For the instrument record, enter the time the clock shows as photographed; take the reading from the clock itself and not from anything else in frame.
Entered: 12:04
